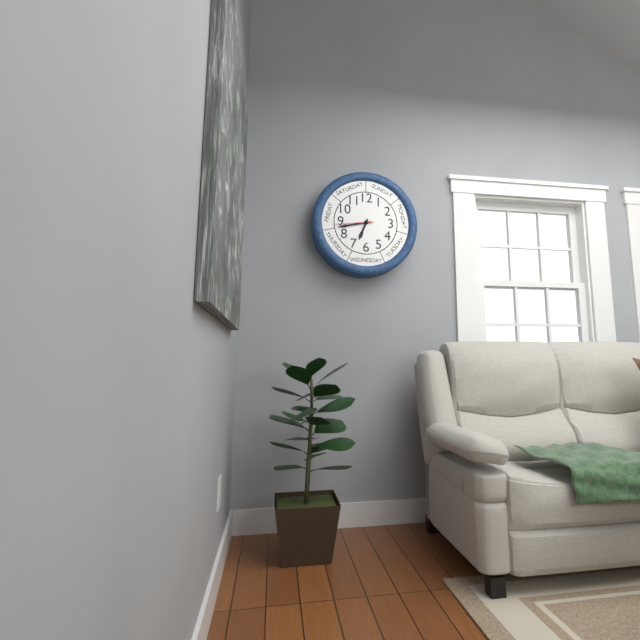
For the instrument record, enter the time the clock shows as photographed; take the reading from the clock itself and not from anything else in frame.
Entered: 6:43
